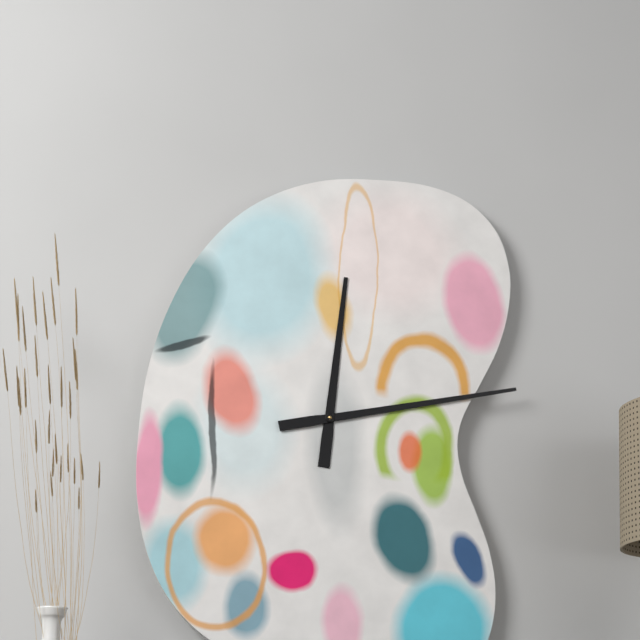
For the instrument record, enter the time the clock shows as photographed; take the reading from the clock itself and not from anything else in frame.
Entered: 12:13
